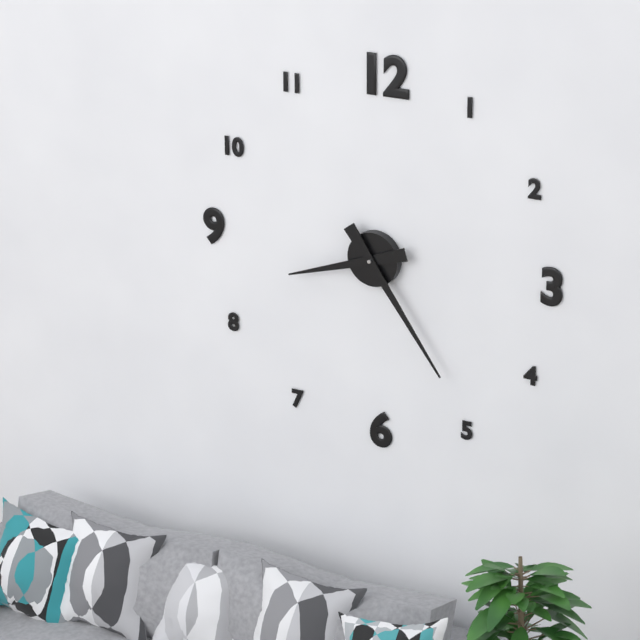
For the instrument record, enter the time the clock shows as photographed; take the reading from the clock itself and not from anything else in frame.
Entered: 8:24
